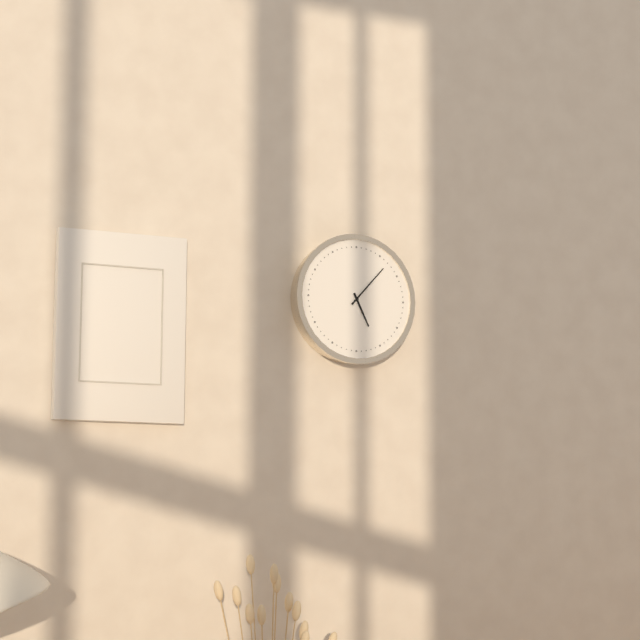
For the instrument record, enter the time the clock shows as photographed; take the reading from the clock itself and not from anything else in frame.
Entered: 5:07
